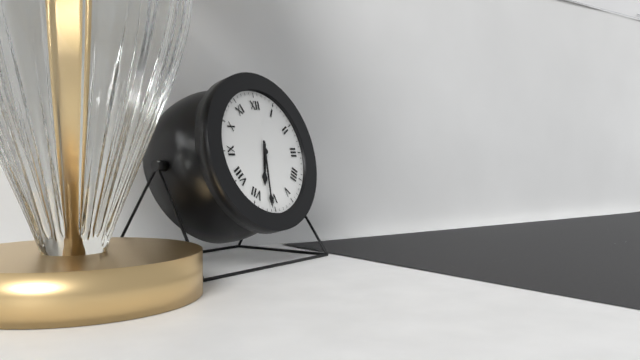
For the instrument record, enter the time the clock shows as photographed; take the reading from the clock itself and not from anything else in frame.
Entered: 6:31
